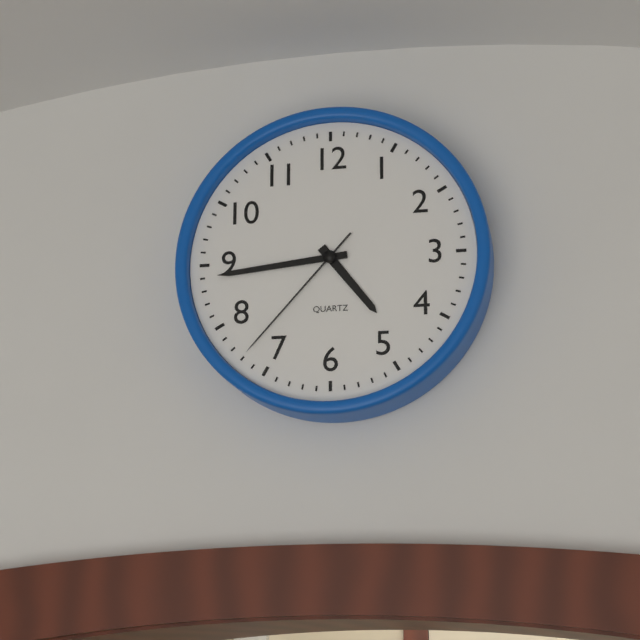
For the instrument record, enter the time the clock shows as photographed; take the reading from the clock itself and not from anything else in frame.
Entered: 4:44:37
